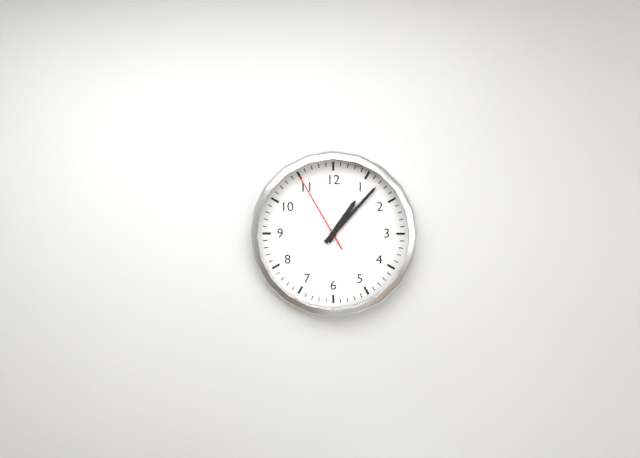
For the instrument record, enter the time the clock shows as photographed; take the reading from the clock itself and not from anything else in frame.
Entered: 1:07:55
